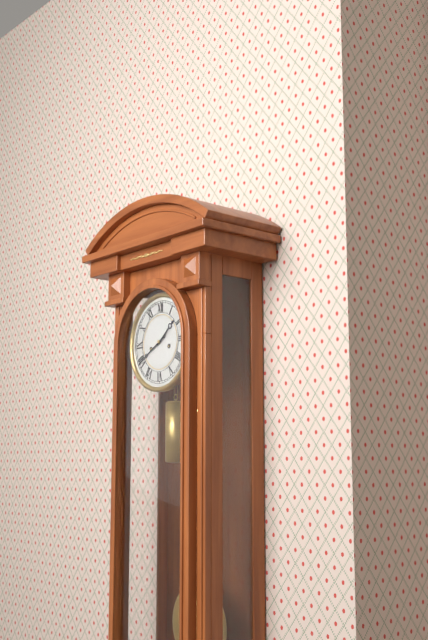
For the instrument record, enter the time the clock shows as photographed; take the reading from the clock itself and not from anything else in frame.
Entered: 1:40
